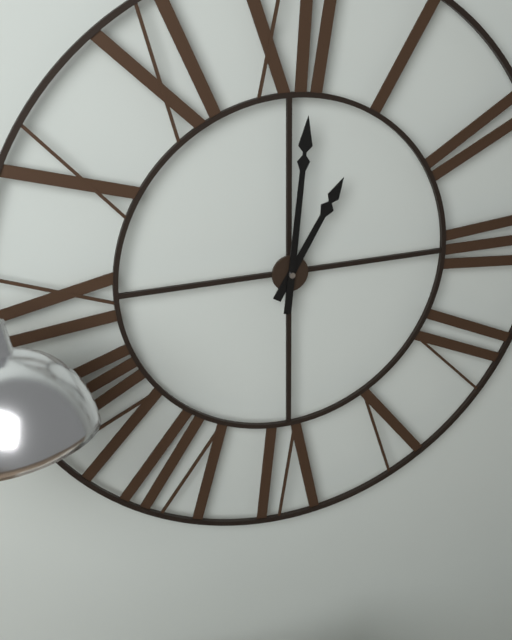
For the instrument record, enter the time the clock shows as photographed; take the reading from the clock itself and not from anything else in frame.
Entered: 1:01
